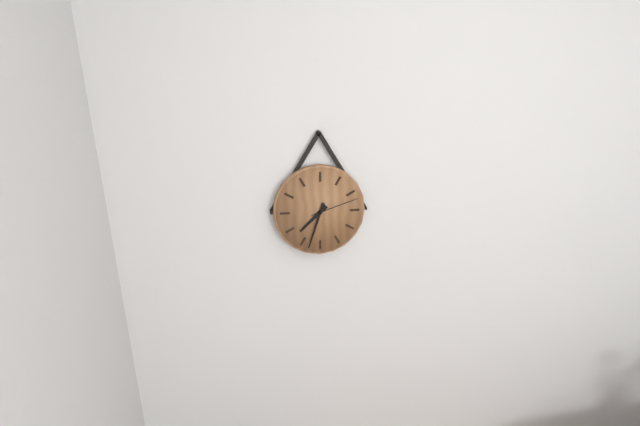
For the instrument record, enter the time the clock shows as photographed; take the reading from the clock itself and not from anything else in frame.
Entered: 7:33
